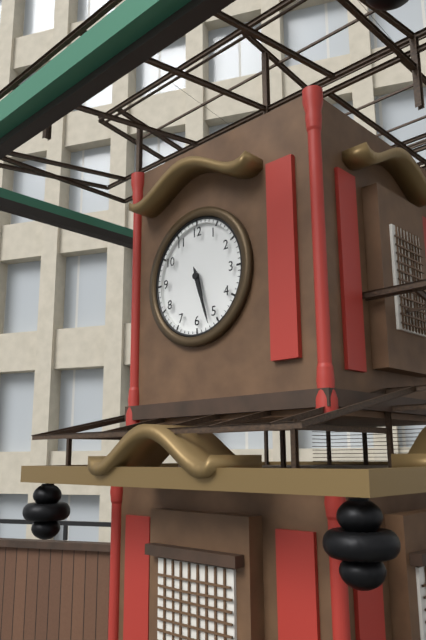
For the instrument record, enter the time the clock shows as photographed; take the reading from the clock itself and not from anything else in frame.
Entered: 5:27
